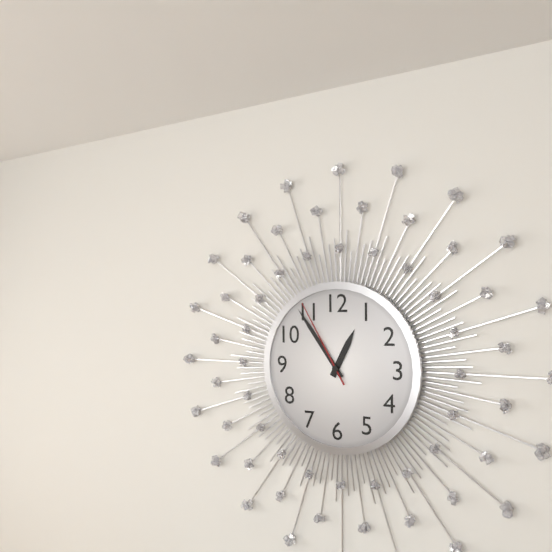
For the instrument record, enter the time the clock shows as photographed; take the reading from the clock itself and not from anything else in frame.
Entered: 12:54:55
